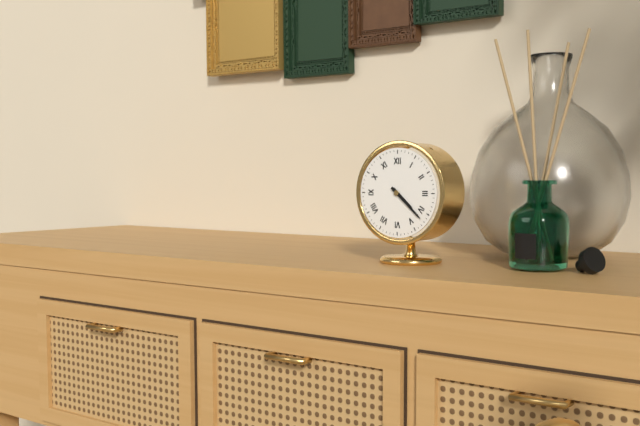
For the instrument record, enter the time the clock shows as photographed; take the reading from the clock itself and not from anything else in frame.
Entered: 4:22
